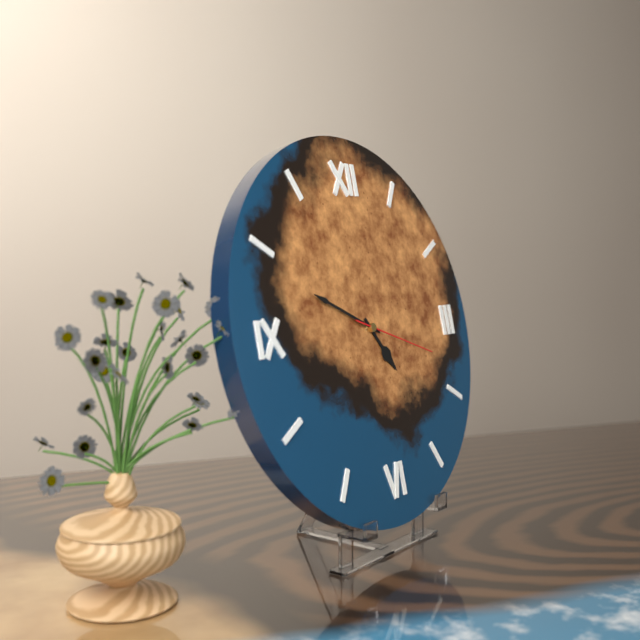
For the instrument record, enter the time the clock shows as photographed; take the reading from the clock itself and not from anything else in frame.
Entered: 4:49:18
